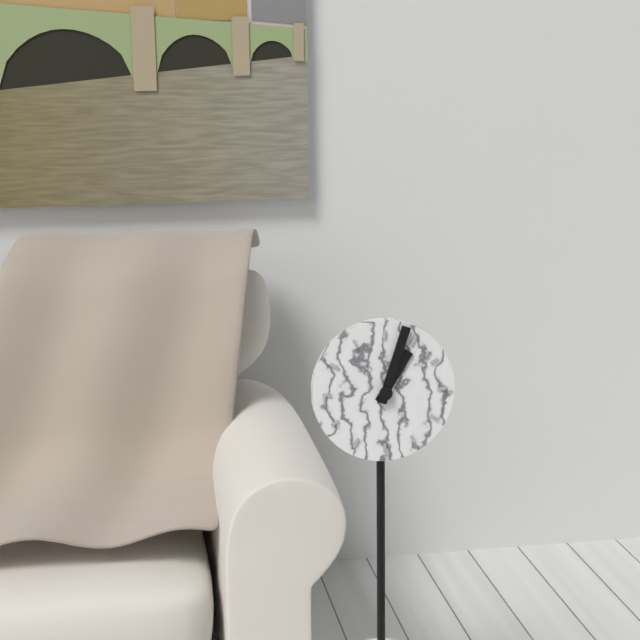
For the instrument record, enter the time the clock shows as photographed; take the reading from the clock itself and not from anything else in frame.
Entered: 1:03
